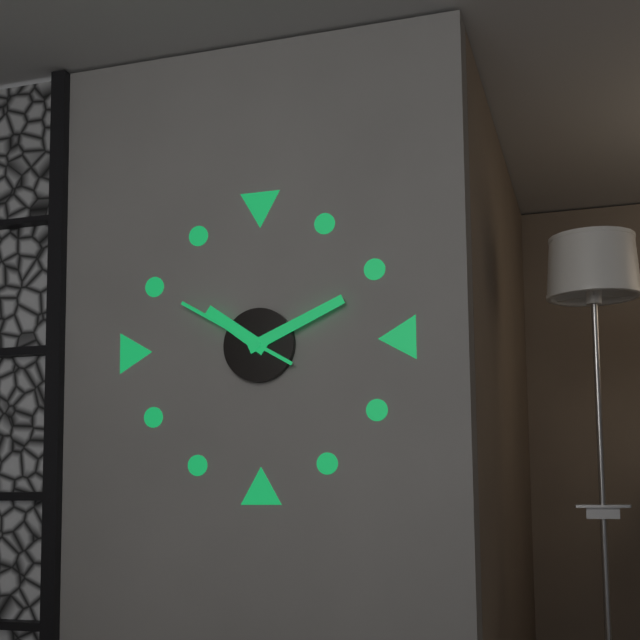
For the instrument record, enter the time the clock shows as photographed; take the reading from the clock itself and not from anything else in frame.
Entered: 10:11:50
